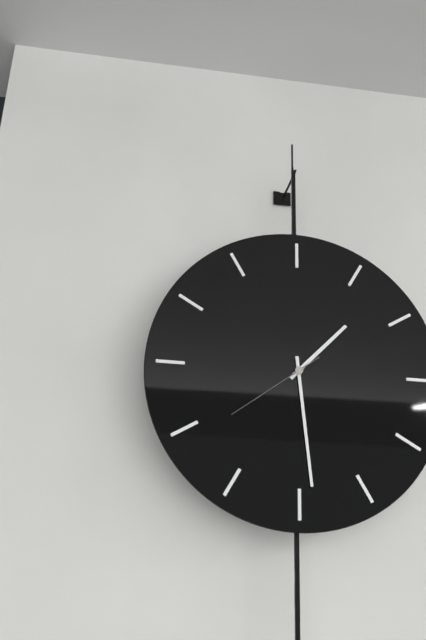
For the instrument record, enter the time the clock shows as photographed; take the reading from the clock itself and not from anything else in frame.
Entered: 1:29:39
